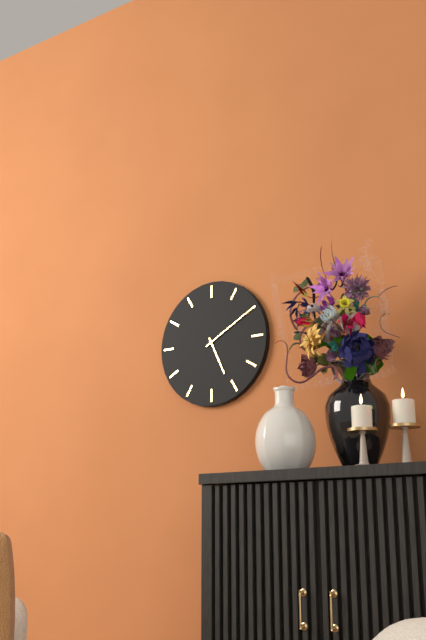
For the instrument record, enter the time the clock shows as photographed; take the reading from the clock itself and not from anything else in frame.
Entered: 5:10
